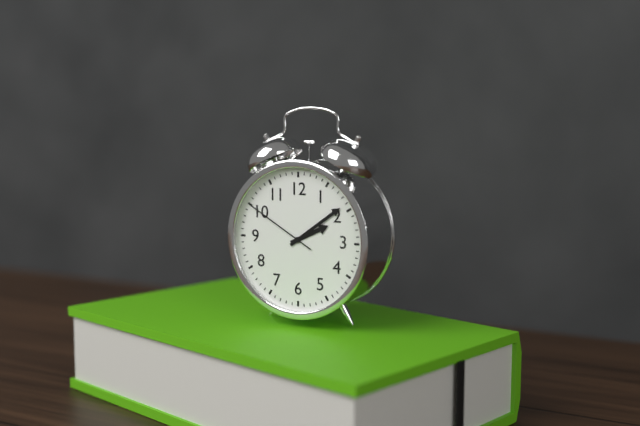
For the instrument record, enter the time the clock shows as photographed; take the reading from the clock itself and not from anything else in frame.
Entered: 2:09:50
